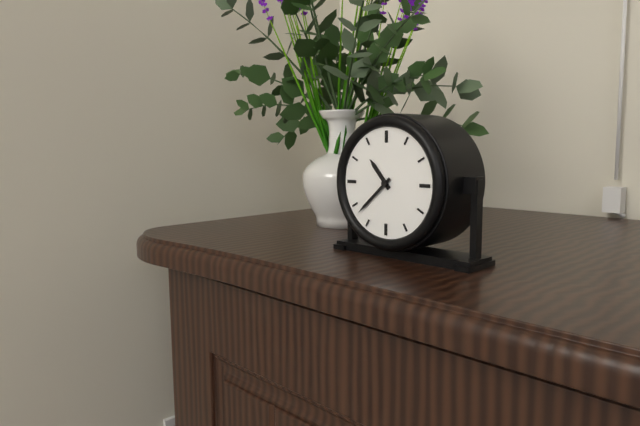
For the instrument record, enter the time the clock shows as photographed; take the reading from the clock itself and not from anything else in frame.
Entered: 10:38
